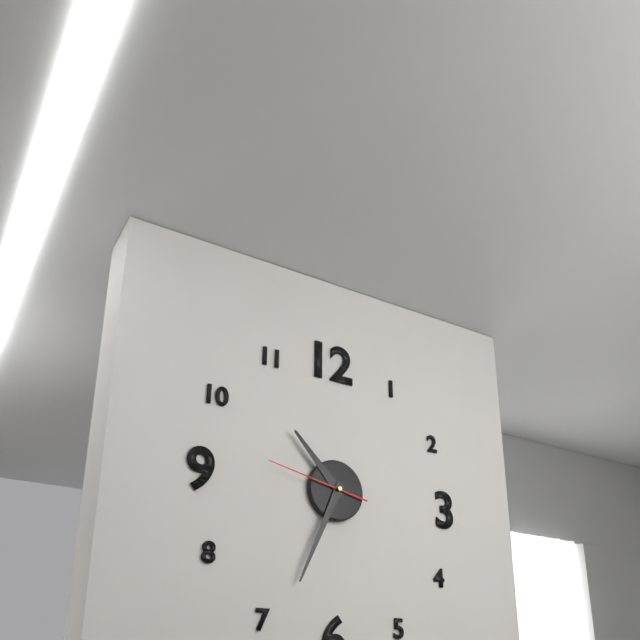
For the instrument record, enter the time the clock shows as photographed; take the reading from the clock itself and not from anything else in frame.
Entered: 10:34:47
